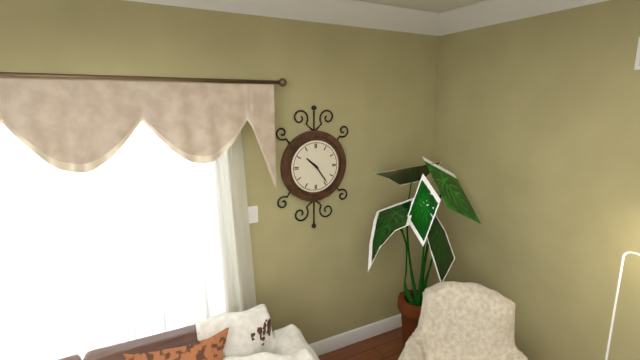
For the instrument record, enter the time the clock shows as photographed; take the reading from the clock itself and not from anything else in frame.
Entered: 10:24
